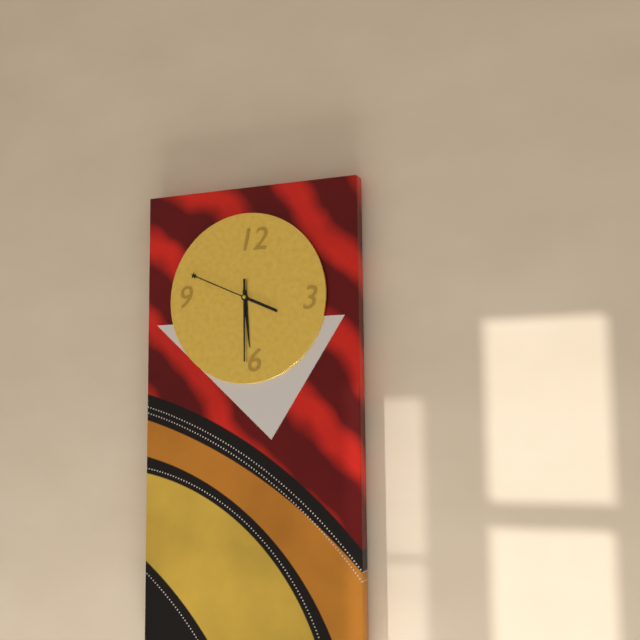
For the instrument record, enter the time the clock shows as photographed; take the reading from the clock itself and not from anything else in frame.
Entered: 5:49:30
